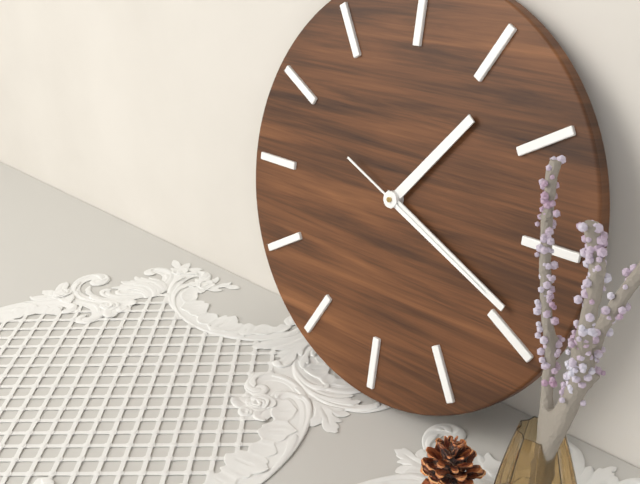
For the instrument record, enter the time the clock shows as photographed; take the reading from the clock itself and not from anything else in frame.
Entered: 1:19:19
